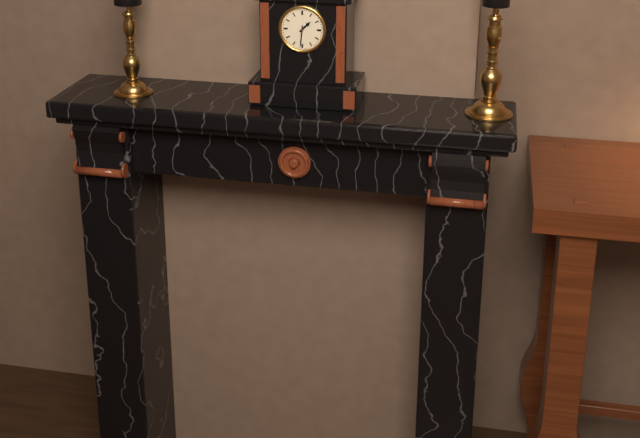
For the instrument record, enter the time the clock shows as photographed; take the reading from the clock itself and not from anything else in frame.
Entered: 1:31
